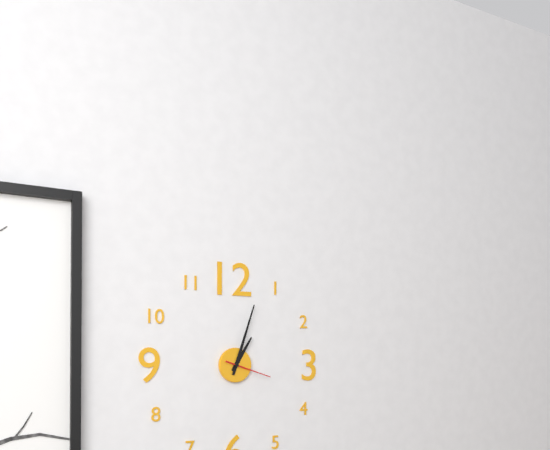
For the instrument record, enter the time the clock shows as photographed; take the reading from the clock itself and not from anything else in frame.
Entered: 1:03
